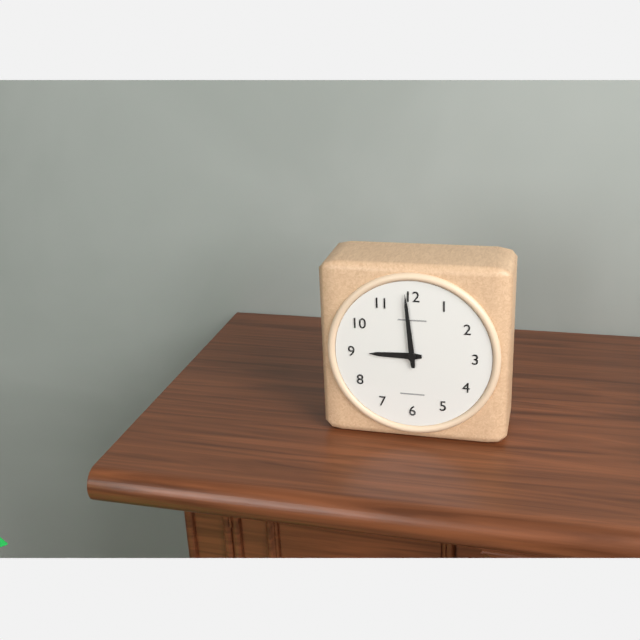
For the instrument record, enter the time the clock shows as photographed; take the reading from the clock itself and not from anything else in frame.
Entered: 8:59
